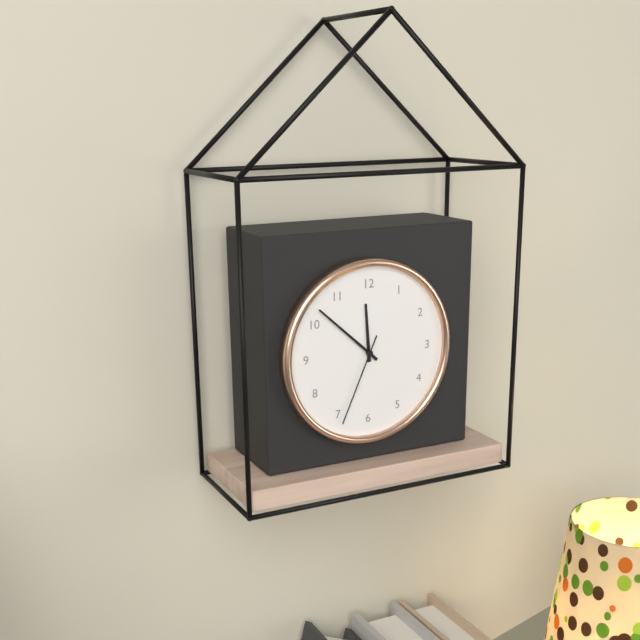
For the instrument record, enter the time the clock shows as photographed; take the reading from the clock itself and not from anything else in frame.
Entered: 11:52:34
